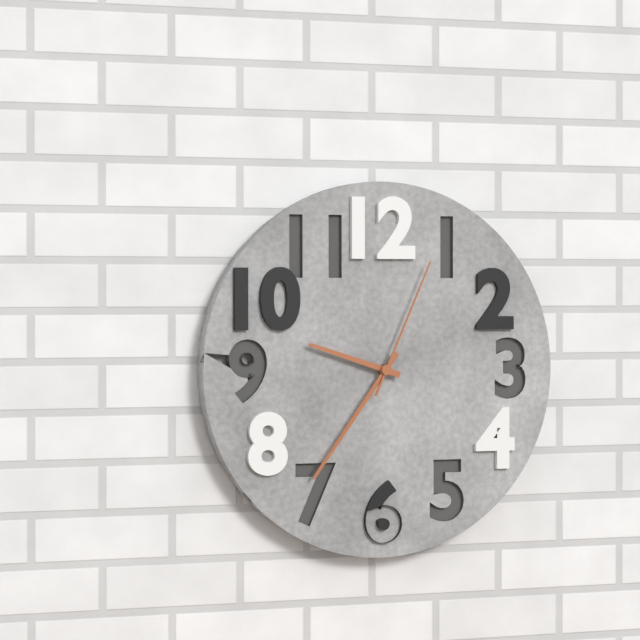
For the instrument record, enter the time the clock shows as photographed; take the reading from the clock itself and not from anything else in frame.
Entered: 9:36:04
